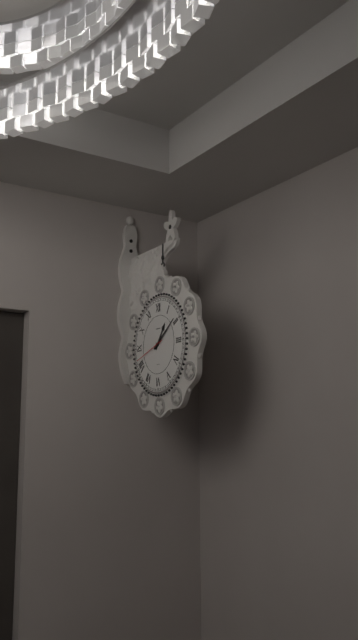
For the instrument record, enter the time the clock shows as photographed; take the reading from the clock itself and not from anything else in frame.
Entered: 1:09
